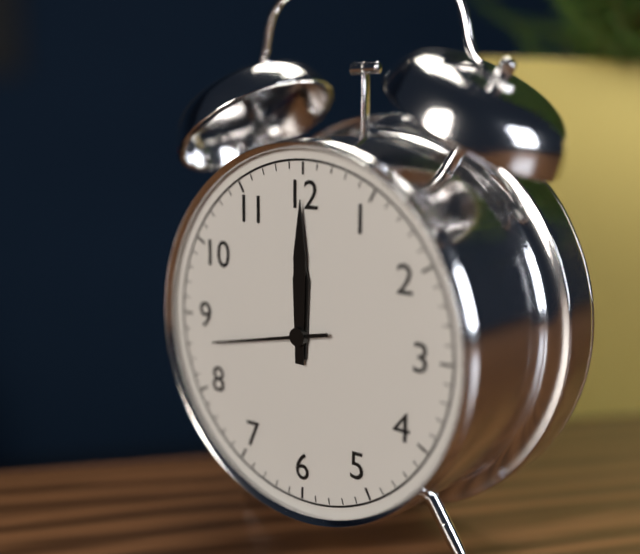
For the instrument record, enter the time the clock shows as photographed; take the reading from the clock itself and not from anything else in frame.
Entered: 12:00:43
